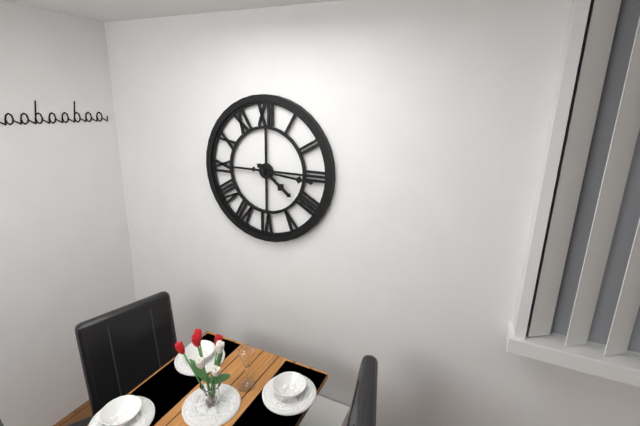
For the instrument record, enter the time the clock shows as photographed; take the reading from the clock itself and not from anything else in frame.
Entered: 4:16
